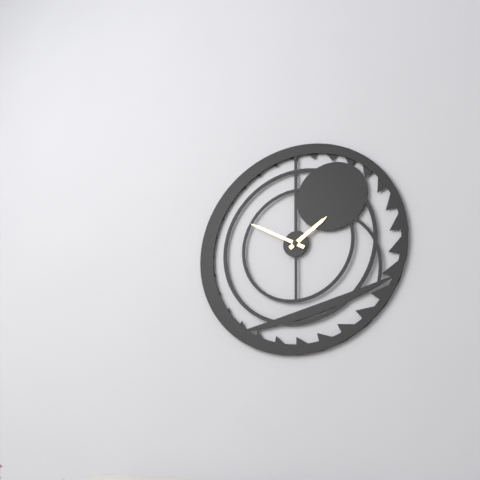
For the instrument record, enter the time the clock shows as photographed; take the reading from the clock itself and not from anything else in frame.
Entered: 1:50
